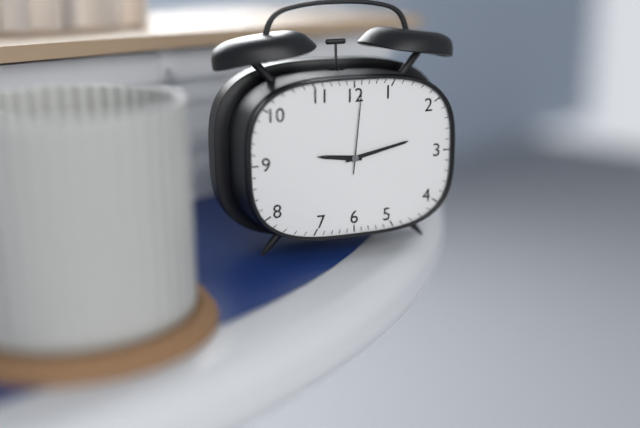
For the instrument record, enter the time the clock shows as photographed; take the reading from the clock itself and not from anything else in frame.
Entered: 9:13:01
